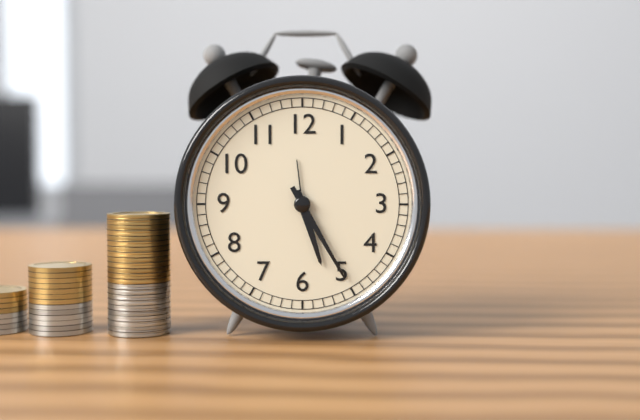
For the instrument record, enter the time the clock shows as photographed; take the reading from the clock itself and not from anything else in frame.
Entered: 5:25
